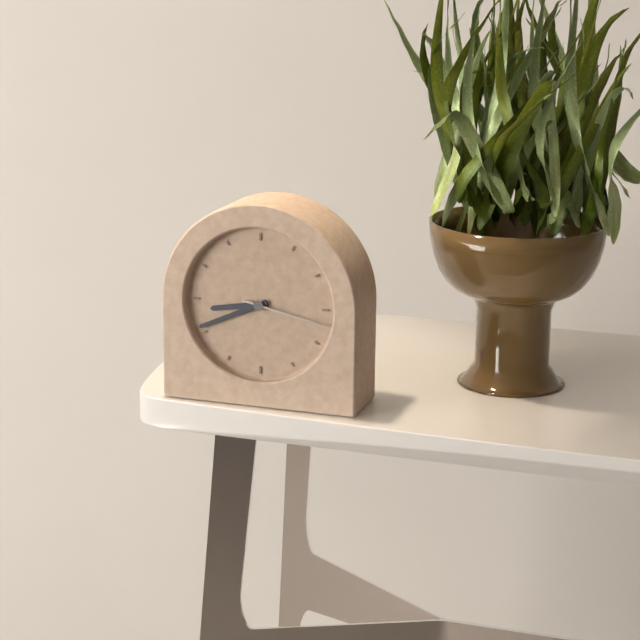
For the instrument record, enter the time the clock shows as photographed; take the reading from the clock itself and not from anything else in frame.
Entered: 8:41:17
